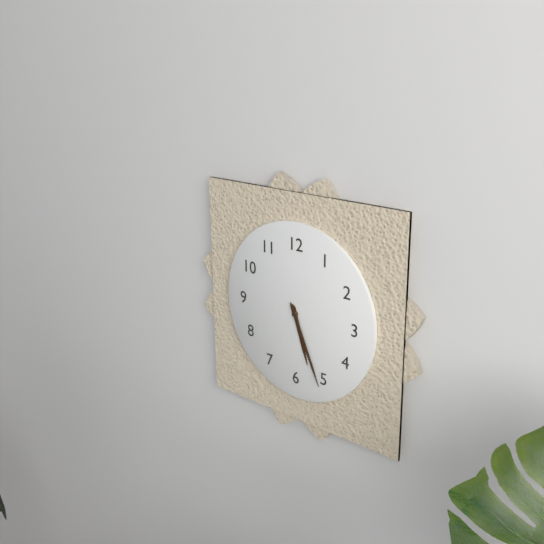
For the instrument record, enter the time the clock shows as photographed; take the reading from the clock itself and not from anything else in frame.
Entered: 5:26
